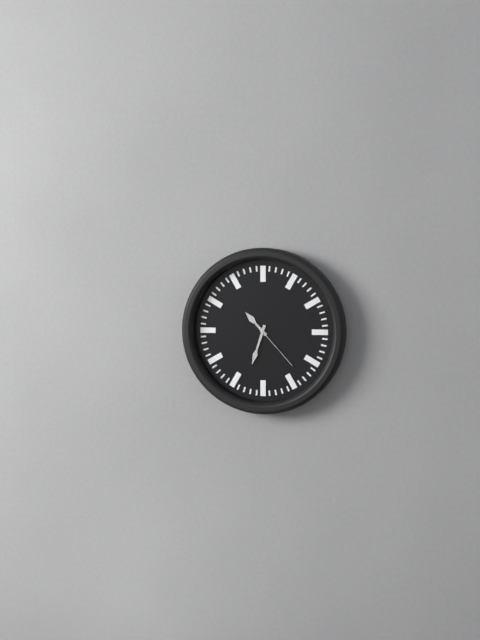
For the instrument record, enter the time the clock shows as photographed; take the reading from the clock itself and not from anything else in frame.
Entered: 10:33:23
